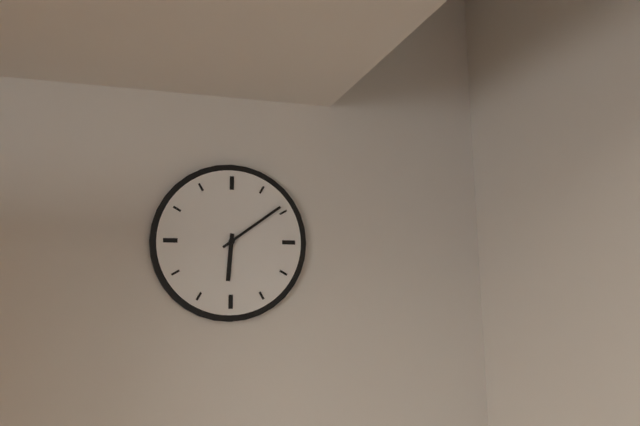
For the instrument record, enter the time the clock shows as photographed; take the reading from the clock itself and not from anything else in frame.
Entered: 6:09
